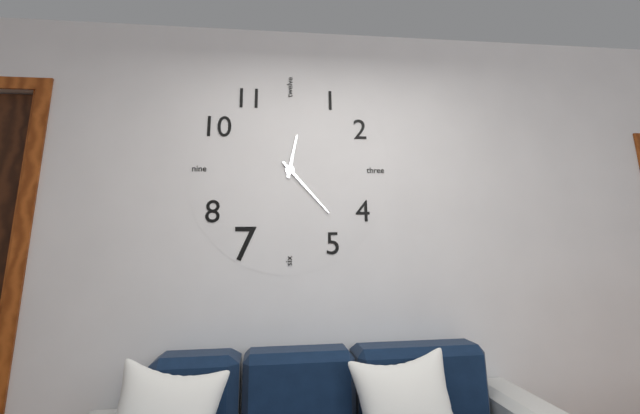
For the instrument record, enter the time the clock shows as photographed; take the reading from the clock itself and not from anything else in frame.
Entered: 12:23
